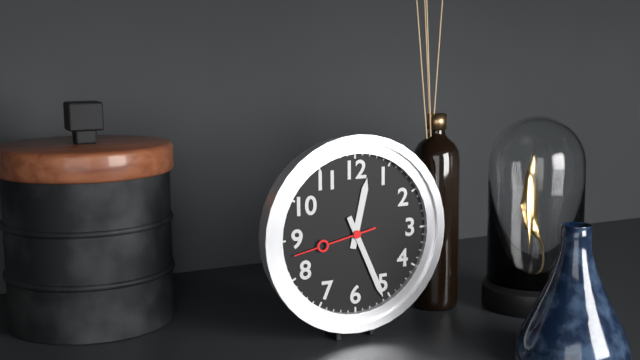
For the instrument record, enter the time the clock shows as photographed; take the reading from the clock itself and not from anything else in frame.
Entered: 12:26:43
